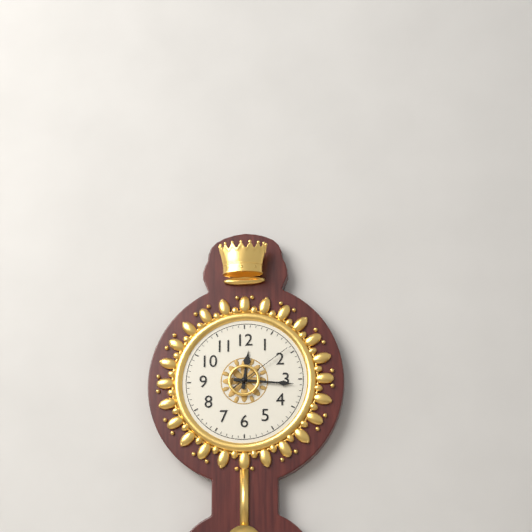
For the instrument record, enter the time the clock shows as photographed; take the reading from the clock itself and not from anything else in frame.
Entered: 12:16:09
